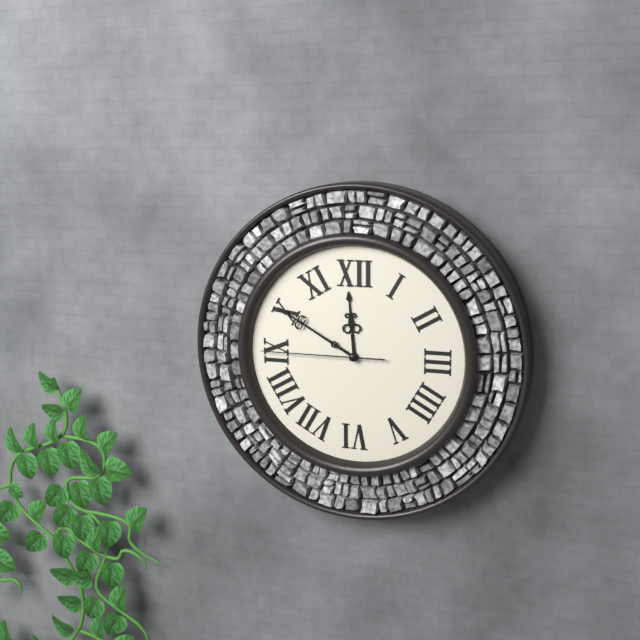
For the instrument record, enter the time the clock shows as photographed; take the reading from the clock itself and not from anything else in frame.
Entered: 11:50:45
